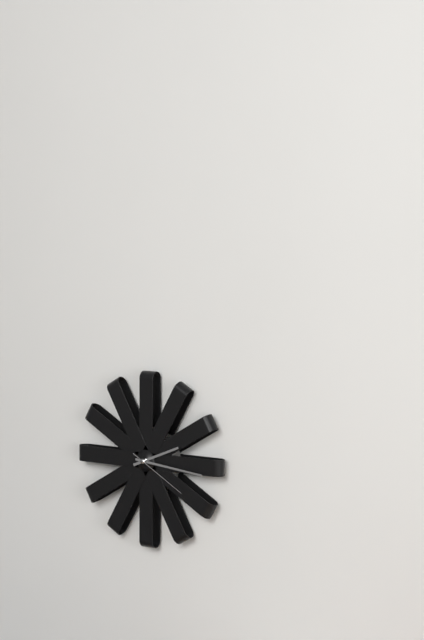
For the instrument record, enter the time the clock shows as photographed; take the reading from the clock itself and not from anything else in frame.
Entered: 2:16:20
